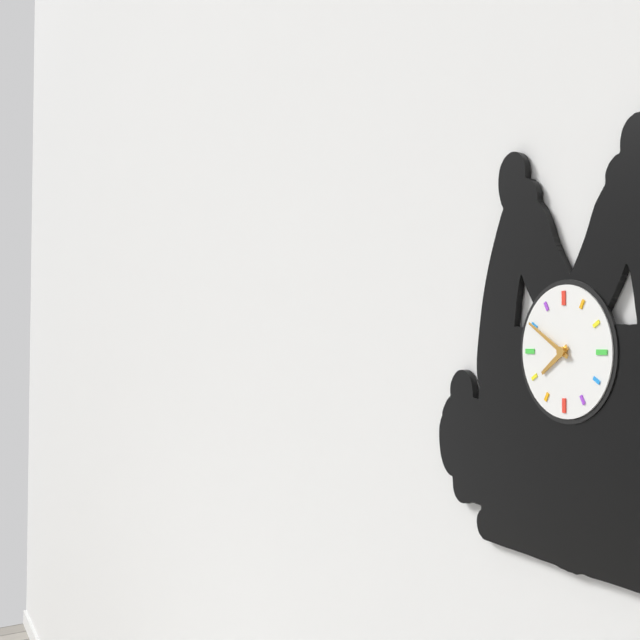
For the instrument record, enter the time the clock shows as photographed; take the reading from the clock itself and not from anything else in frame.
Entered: 7:50
